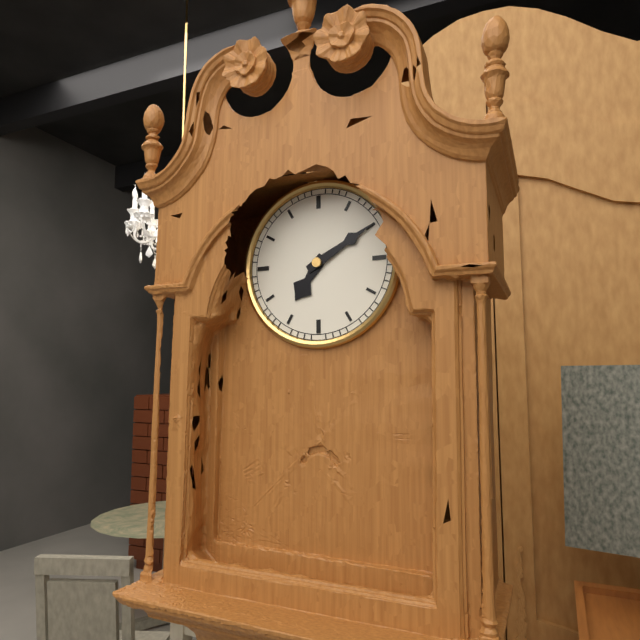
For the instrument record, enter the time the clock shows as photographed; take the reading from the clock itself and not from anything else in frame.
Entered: 7:10
